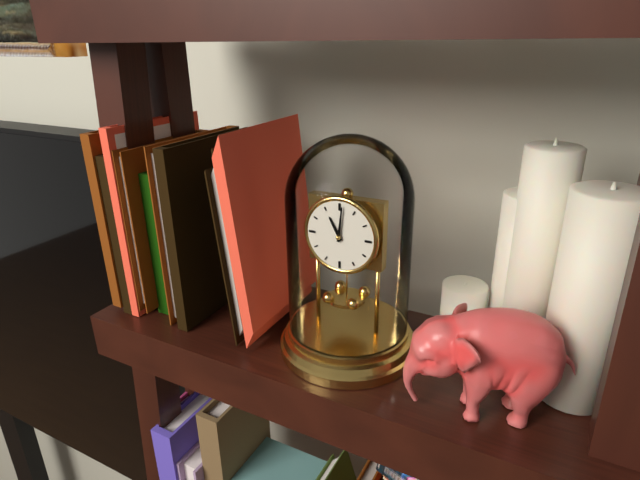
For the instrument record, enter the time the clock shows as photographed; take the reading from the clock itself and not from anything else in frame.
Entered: 11:01
